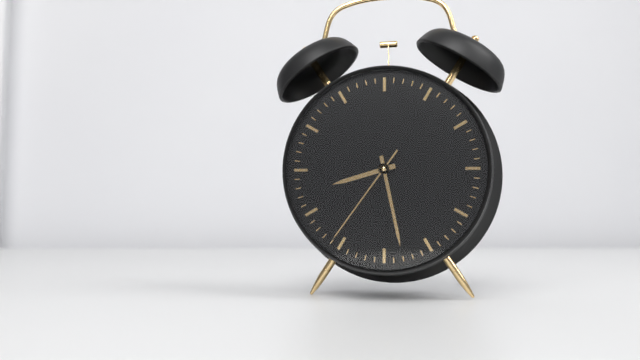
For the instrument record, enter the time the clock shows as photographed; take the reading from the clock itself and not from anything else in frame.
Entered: 8:28:36
